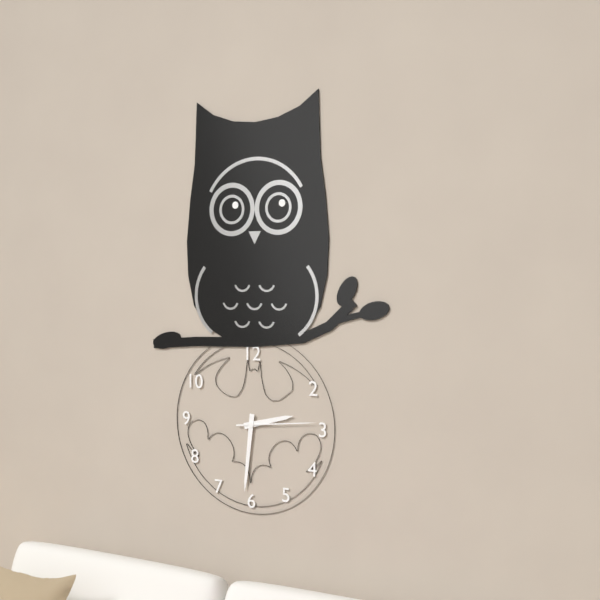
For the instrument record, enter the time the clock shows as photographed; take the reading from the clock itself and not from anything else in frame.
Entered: 2:31:14
